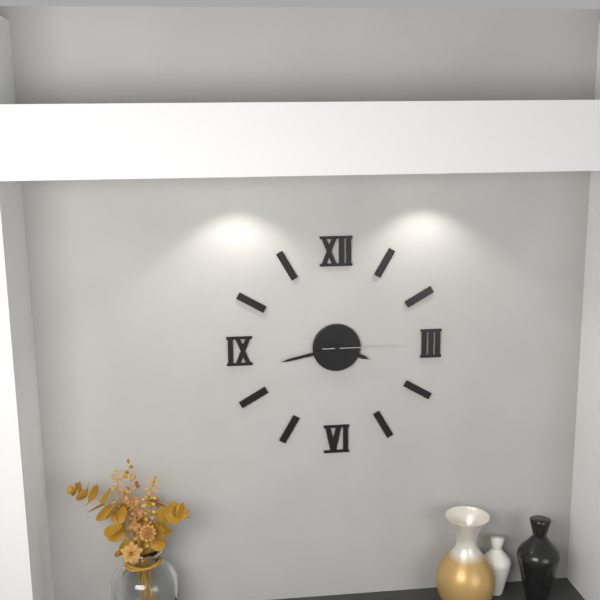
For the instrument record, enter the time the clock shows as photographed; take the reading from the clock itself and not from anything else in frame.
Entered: 3:43:15
